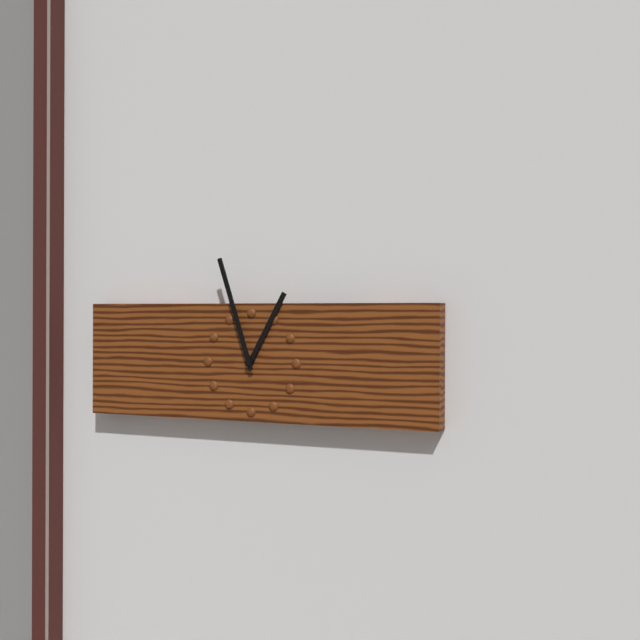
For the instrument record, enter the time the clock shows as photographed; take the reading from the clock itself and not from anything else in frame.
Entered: 12:57
